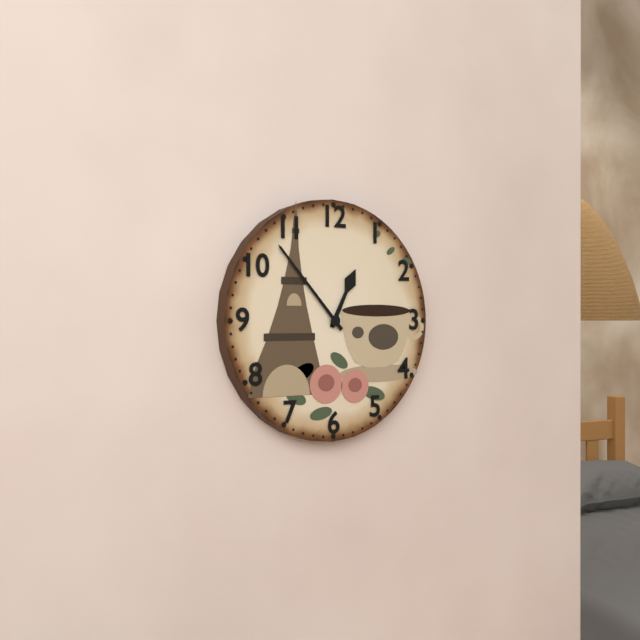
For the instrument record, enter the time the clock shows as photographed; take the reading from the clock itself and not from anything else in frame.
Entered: 12:53
